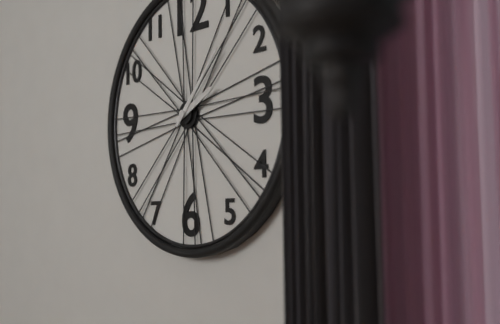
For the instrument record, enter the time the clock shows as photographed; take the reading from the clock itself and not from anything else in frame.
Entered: 2:07
